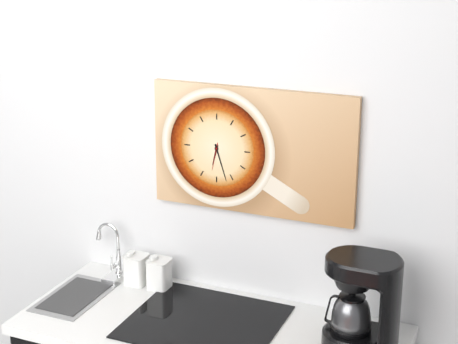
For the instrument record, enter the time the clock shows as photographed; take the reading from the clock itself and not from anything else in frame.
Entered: 6:27
